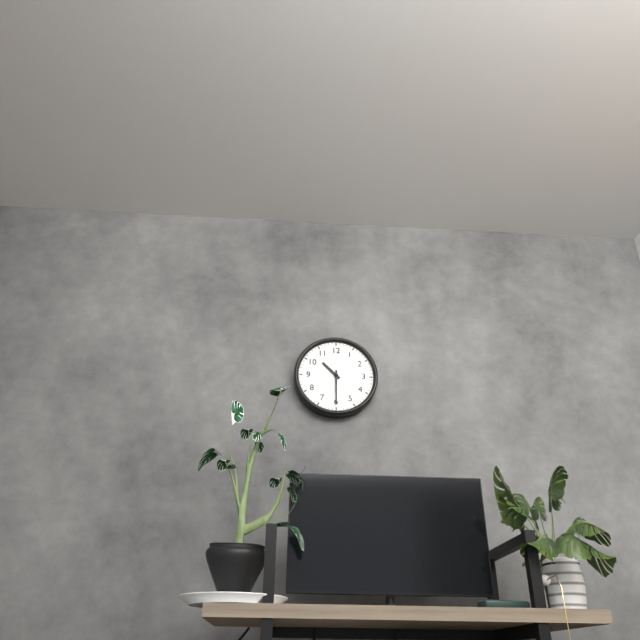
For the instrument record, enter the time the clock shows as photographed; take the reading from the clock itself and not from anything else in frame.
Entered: 10:30
